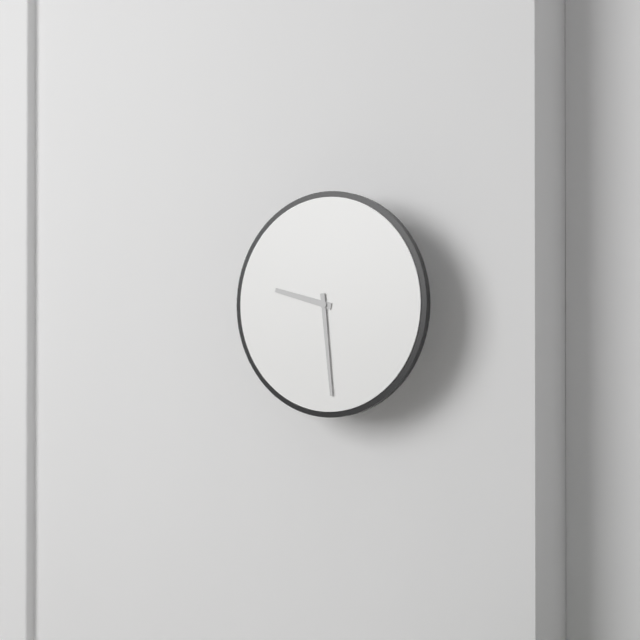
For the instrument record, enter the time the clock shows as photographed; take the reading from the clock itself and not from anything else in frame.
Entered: 9:29
